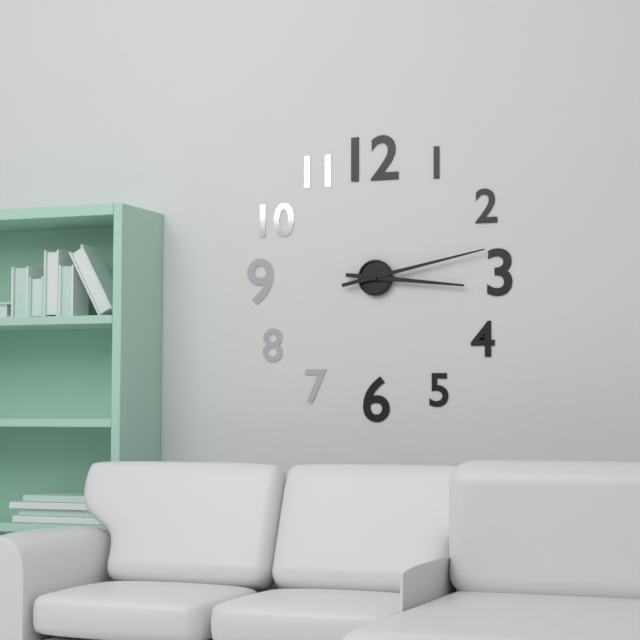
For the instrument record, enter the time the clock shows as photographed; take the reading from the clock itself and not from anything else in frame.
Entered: 3:13
